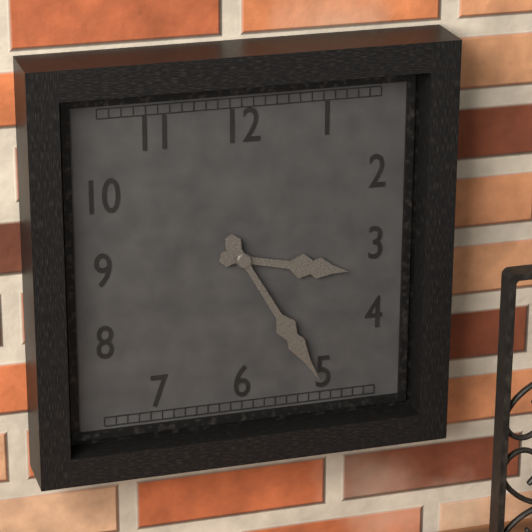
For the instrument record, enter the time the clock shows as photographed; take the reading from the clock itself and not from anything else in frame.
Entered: 3:25
